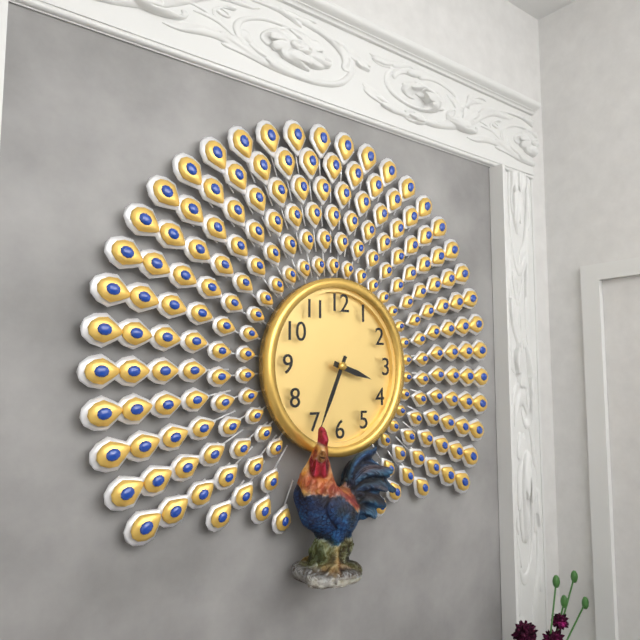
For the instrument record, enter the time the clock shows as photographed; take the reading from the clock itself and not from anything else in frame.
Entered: 3:34
